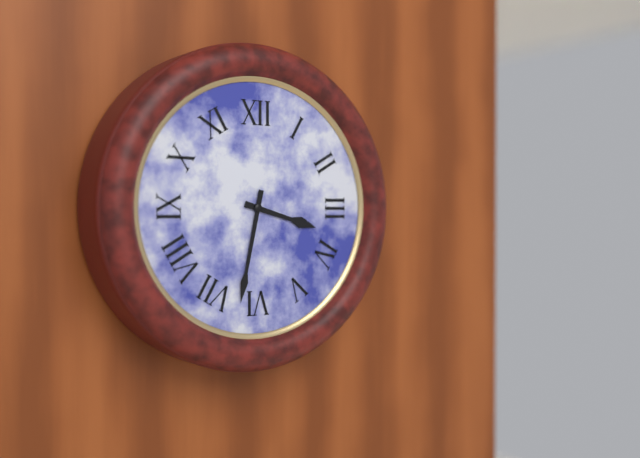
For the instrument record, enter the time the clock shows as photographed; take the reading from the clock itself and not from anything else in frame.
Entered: 3:32
